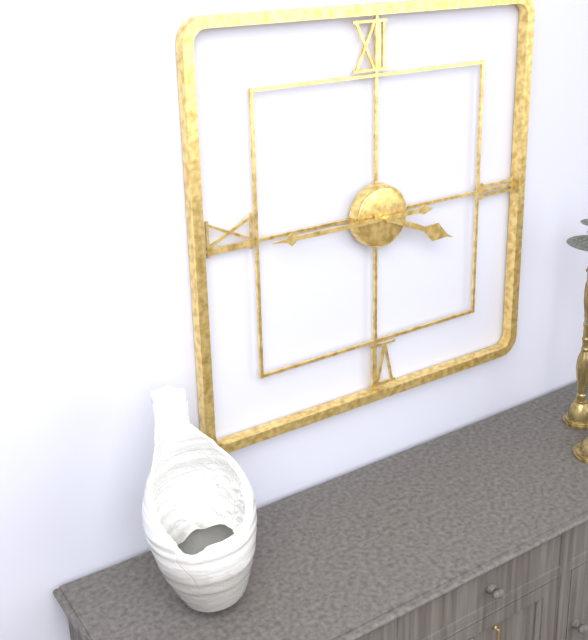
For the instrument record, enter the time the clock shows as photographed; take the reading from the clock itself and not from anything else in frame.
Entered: 3:45
